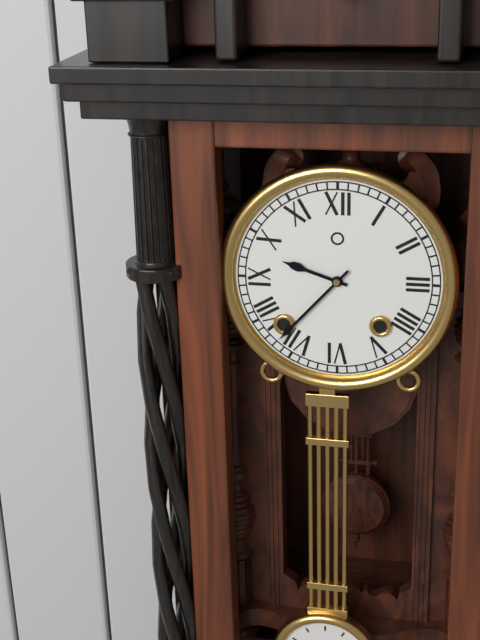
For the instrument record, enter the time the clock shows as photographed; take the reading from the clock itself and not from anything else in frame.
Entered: 9:37
